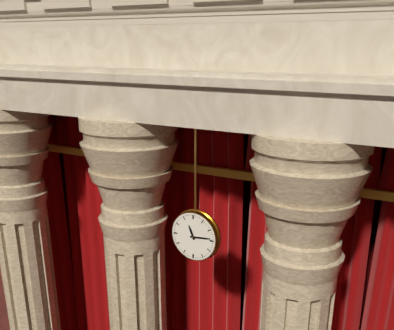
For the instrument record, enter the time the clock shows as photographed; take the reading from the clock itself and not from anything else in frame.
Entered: 11:14
